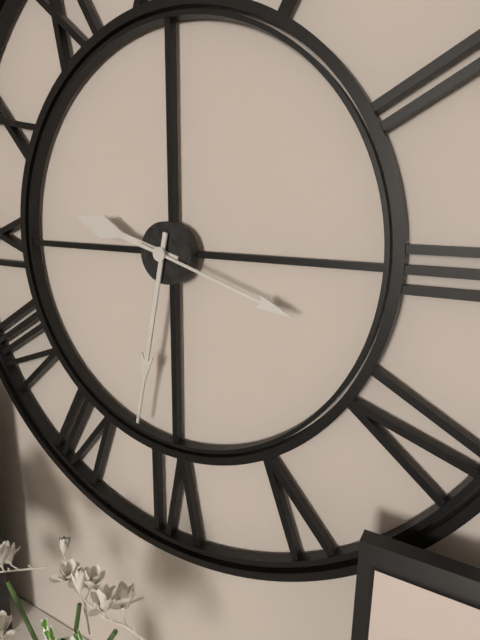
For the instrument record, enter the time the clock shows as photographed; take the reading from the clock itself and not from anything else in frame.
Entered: 9:32:18
